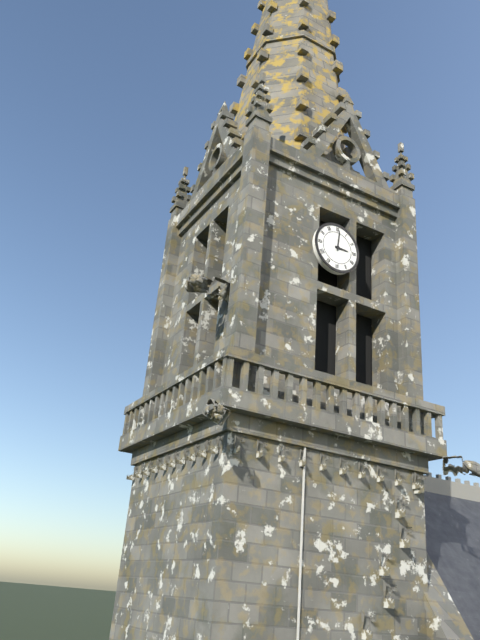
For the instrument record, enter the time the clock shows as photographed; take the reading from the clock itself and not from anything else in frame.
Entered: 3:01
